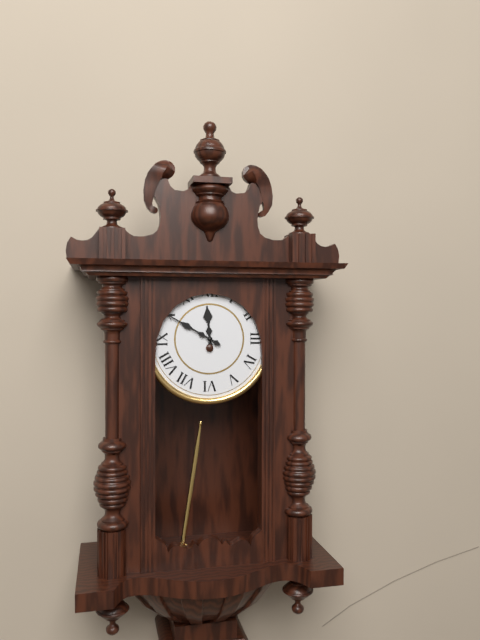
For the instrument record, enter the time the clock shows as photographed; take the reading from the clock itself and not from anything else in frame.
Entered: 11:50
